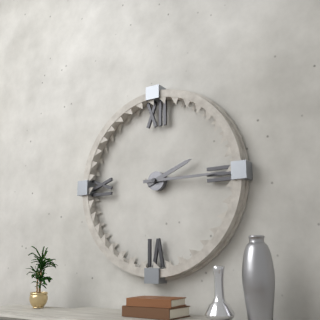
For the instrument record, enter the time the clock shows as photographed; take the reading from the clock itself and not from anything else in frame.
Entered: 2:15
